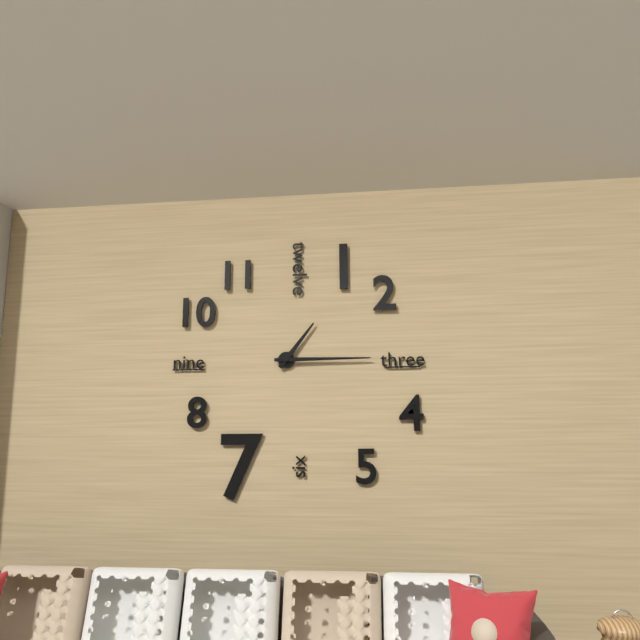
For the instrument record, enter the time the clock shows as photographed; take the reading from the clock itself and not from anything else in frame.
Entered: 1:15
